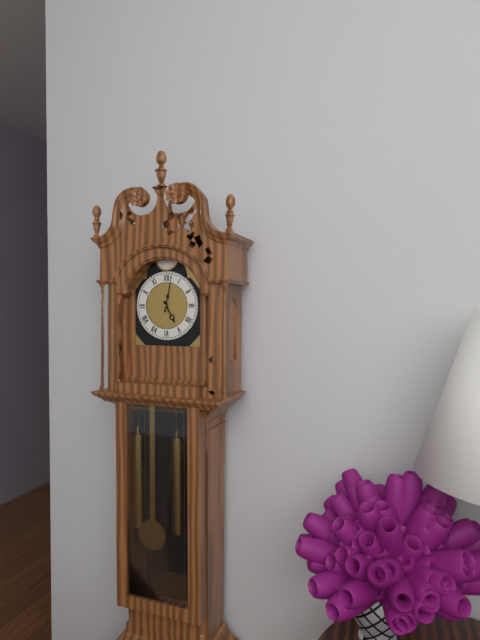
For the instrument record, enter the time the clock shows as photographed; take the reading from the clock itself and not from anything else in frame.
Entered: 5:02
